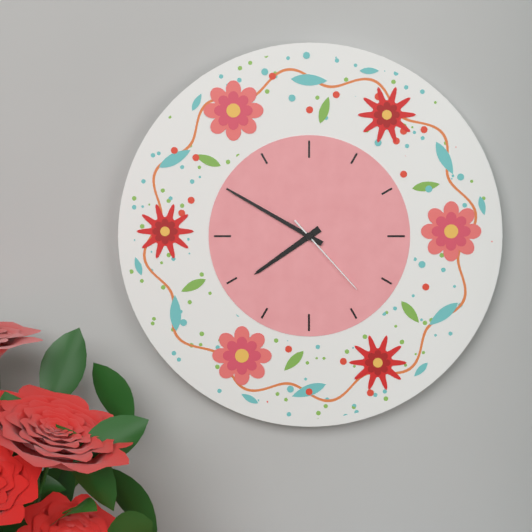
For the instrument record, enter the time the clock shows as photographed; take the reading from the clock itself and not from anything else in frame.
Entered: 7:50:23
